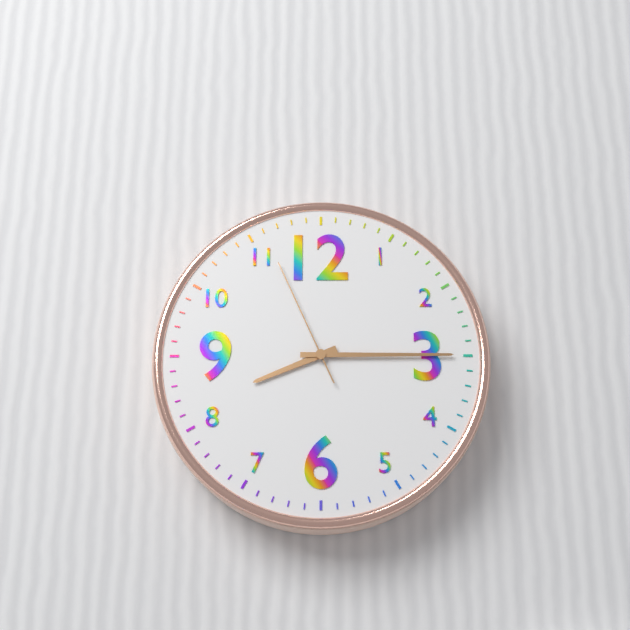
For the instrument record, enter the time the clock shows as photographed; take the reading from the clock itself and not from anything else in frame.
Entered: 8:15:56
